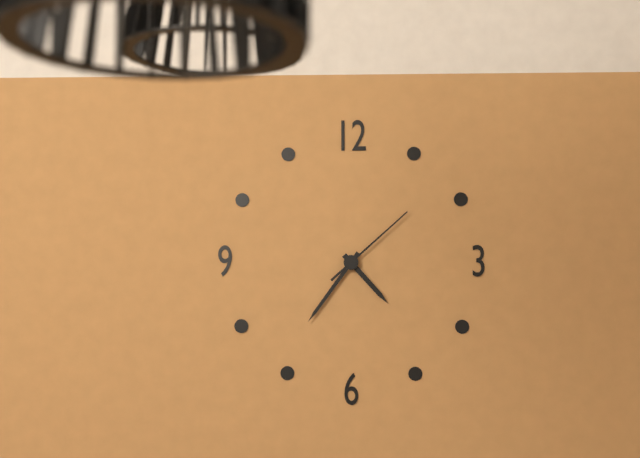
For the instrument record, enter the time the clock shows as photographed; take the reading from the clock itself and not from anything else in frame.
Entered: 4:36:08
